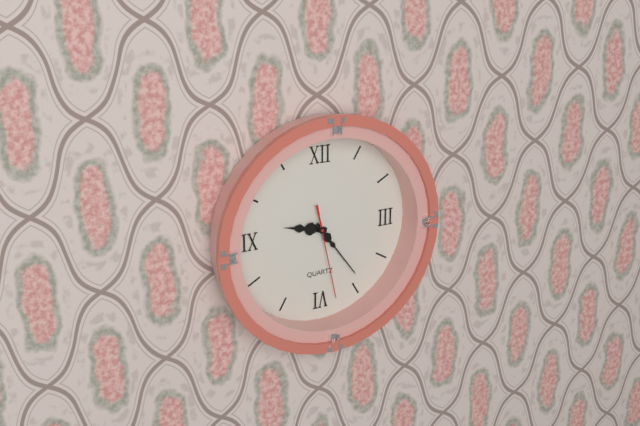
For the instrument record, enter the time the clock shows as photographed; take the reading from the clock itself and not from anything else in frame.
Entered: 9:24:28
